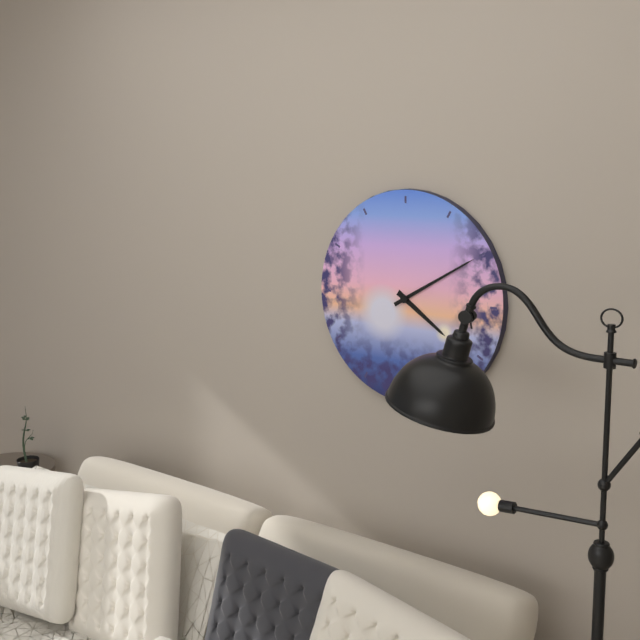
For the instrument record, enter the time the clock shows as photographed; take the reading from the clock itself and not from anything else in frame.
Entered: 4:10
